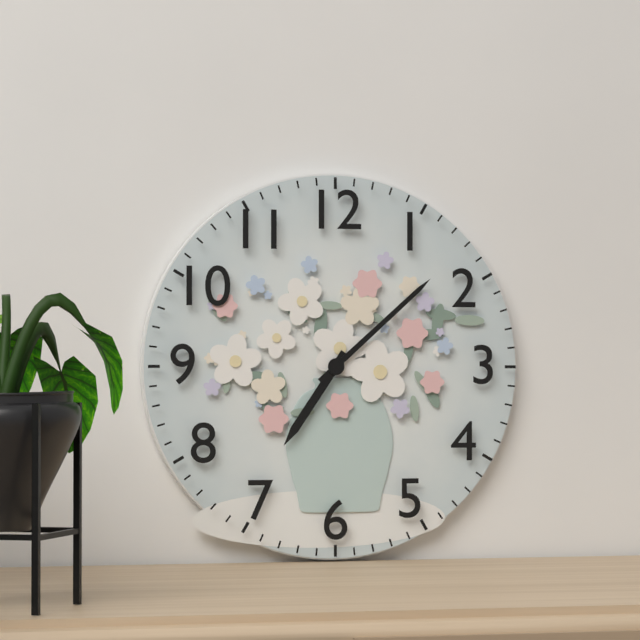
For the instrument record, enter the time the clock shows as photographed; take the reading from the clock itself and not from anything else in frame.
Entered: 7:08
